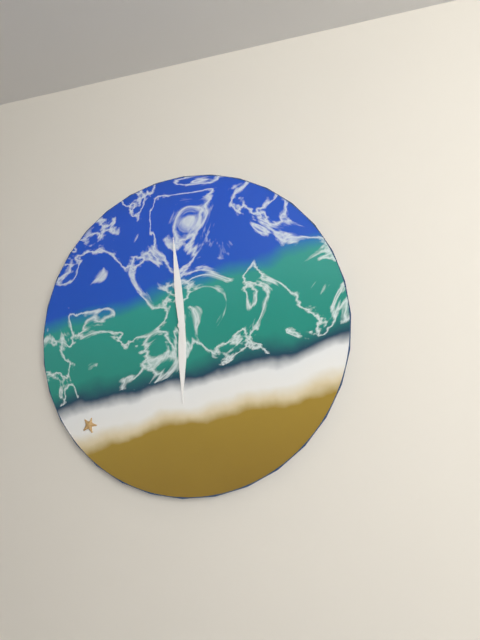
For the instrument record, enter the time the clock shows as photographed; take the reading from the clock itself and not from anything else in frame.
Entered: 5:59
